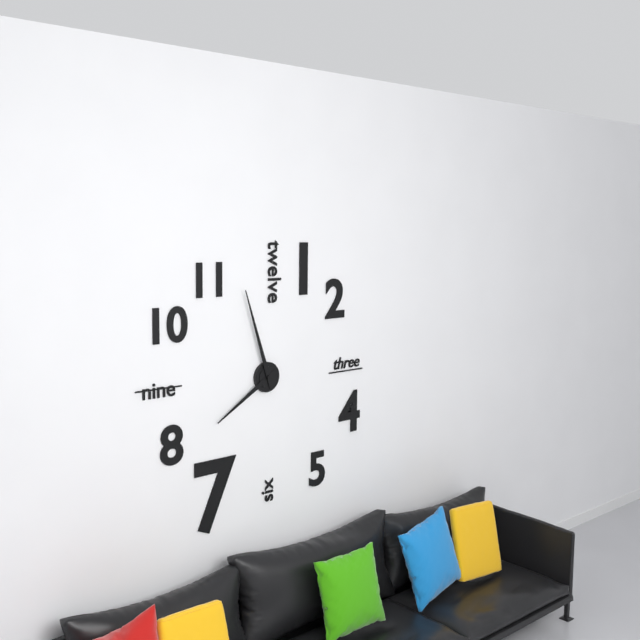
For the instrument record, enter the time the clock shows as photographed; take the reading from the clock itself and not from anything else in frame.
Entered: 7:57
